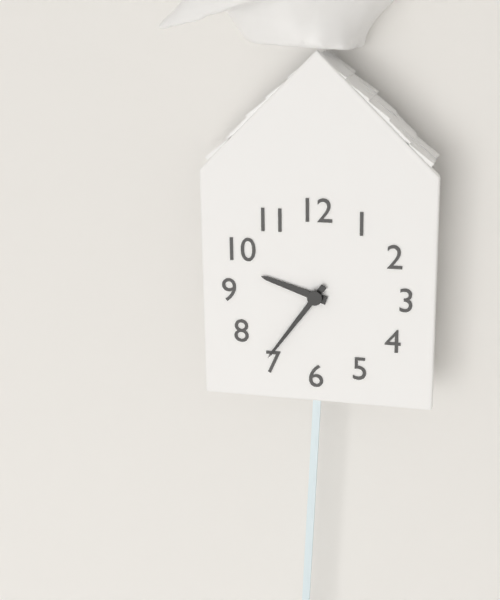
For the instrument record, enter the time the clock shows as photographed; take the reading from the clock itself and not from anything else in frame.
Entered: 9:36
